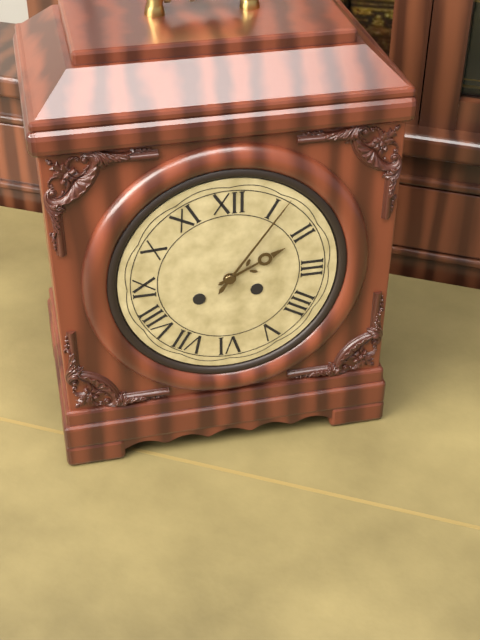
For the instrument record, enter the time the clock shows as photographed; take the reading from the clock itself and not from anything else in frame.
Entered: 2:06
